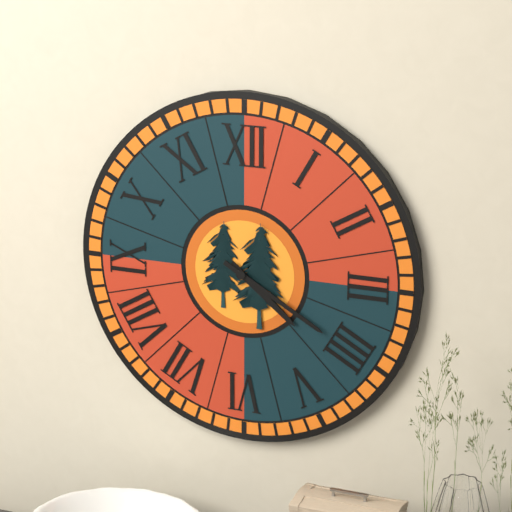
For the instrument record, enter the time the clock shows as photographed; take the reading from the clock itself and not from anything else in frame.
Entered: 4:20
